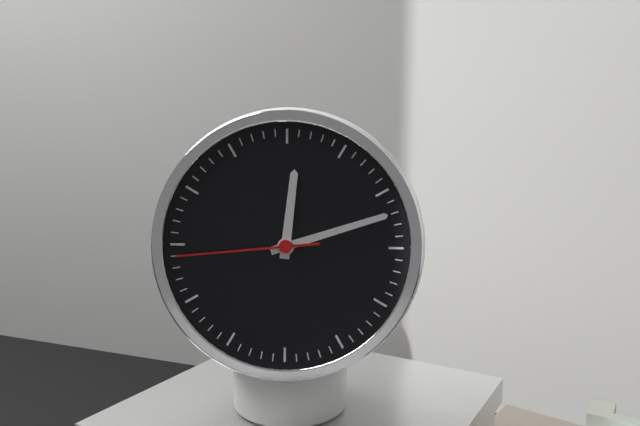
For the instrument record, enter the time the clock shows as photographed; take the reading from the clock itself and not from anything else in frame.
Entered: 12:12:44
